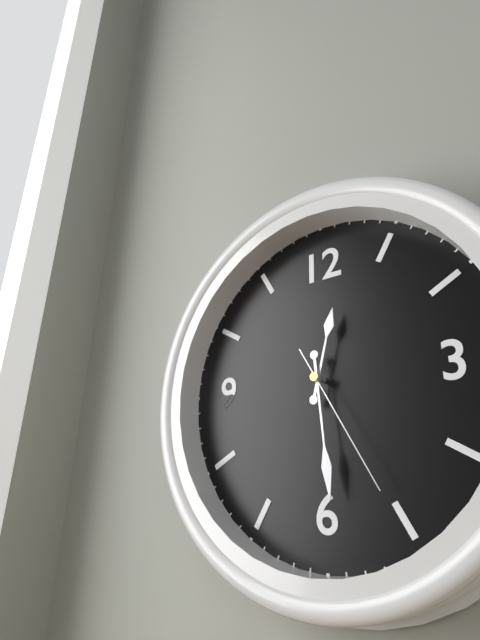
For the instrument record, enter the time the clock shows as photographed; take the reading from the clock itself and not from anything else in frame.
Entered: 12:29:25
